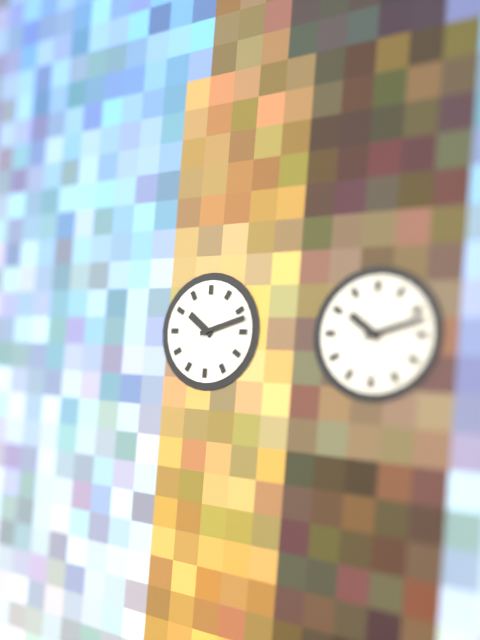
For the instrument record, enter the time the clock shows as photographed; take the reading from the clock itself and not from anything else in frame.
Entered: 10:12
